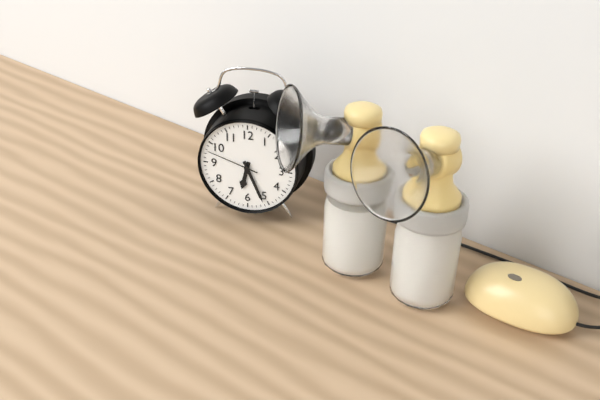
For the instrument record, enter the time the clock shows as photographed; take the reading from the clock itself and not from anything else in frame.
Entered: 6:26:48
